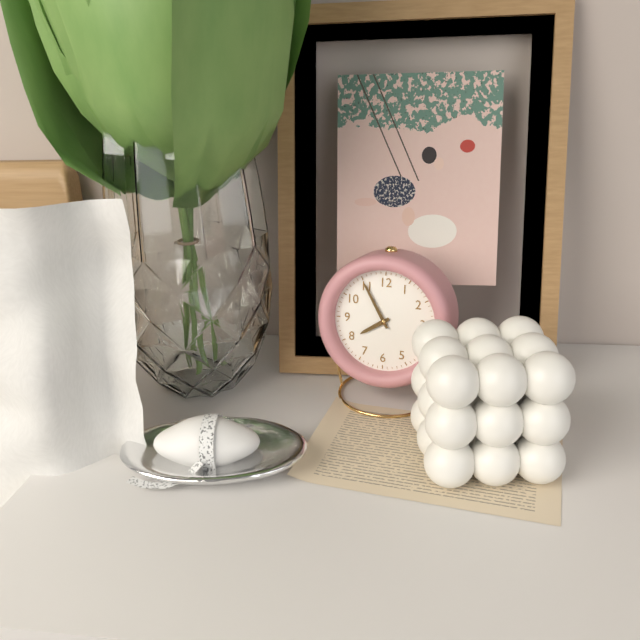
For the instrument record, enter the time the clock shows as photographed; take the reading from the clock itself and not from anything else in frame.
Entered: 7:55
